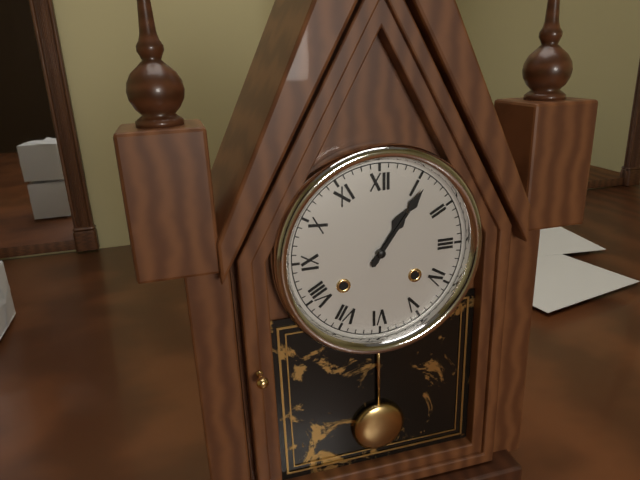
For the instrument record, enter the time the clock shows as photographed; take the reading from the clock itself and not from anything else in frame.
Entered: 1:06
